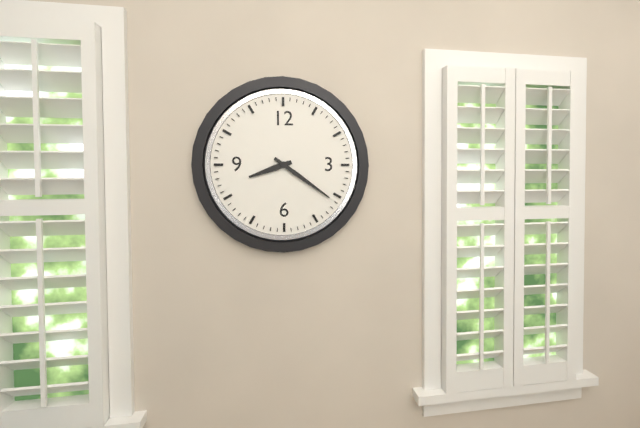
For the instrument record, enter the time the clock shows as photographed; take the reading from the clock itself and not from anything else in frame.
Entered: 8:21
